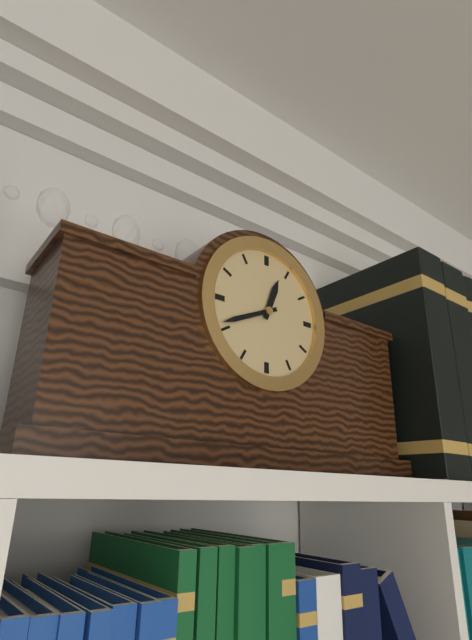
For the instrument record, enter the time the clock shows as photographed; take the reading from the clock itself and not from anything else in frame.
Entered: 12:41
